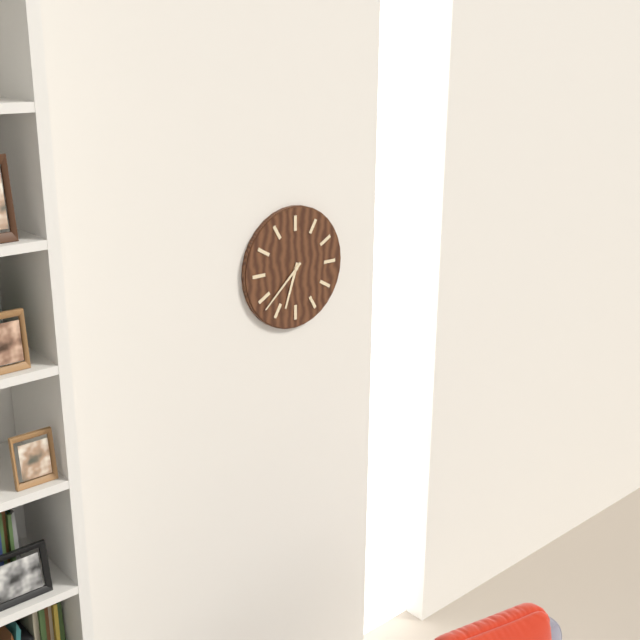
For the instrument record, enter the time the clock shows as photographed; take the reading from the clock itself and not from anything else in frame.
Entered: 6:38
